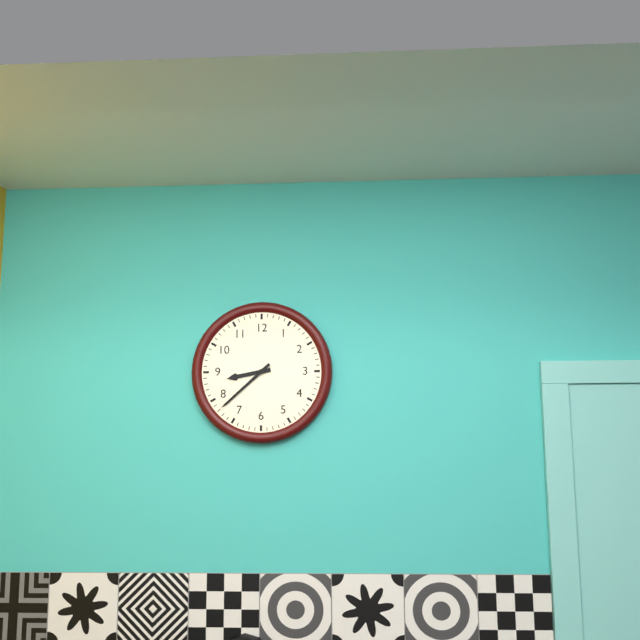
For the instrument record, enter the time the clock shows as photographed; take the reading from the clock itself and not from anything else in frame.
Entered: 8:38
